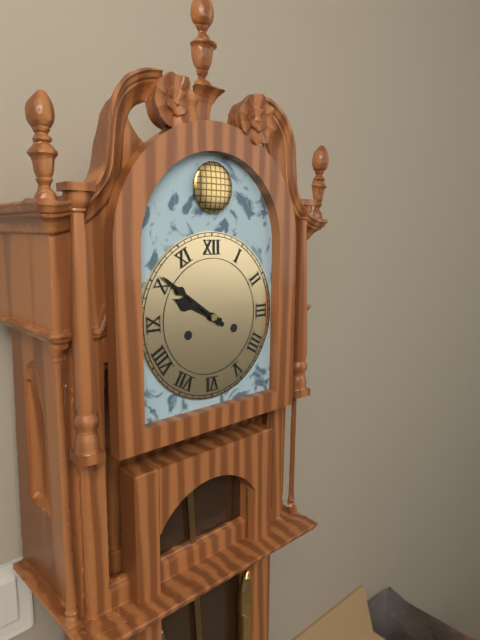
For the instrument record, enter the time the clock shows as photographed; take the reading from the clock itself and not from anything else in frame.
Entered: 9:51
